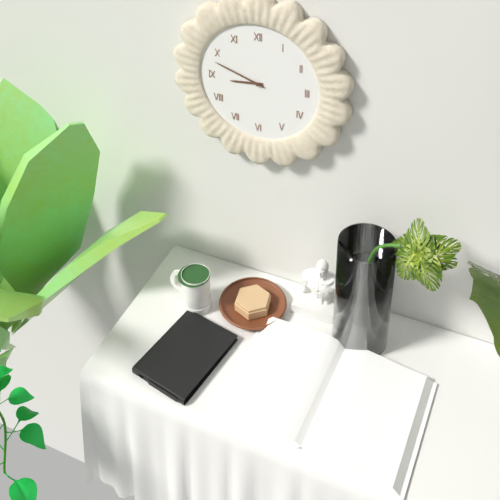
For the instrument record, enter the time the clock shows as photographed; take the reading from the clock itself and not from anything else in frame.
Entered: 8:48
